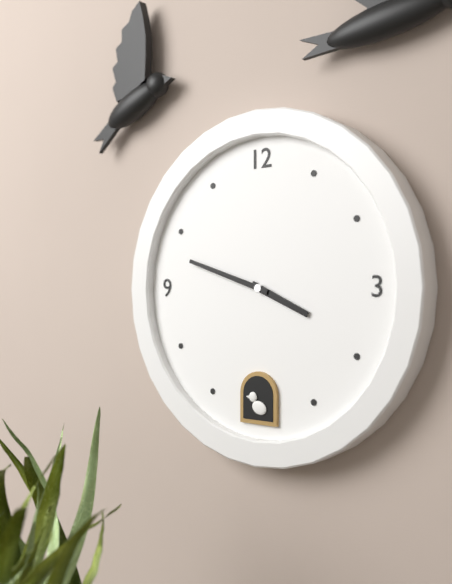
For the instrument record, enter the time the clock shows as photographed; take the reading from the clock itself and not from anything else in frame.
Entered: 3:48
